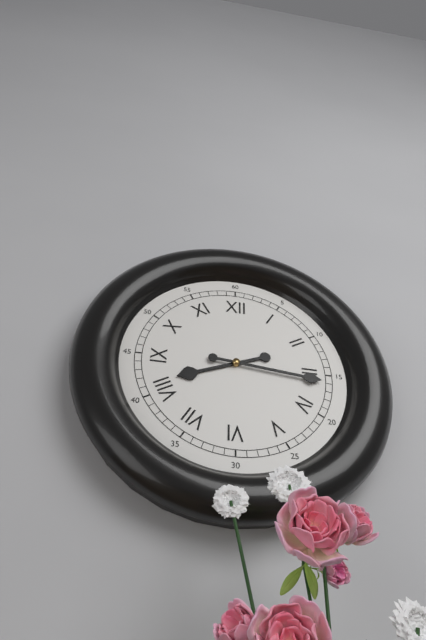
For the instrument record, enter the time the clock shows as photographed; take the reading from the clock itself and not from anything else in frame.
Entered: 8:16
